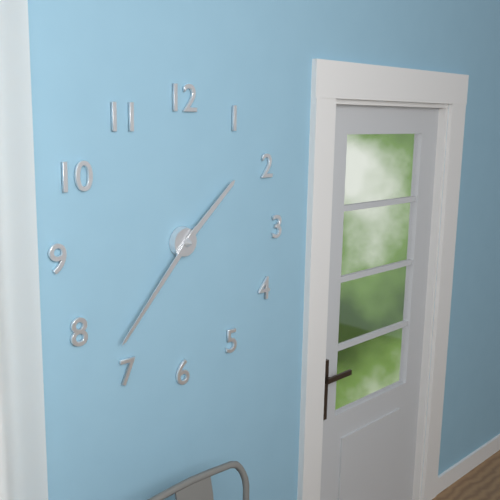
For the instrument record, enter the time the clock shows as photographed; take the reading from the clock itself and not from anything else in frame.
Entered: 1:37
